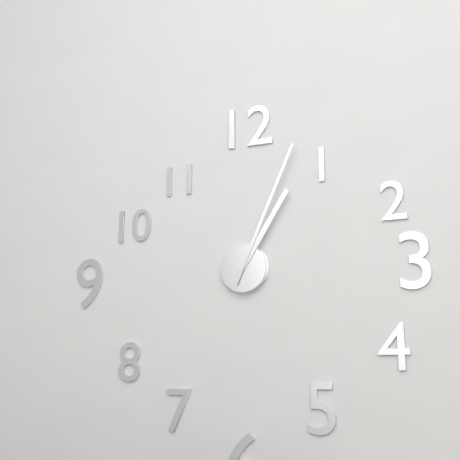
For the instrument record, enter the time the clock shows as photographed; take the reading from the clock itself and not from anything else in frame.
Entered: 1:04
